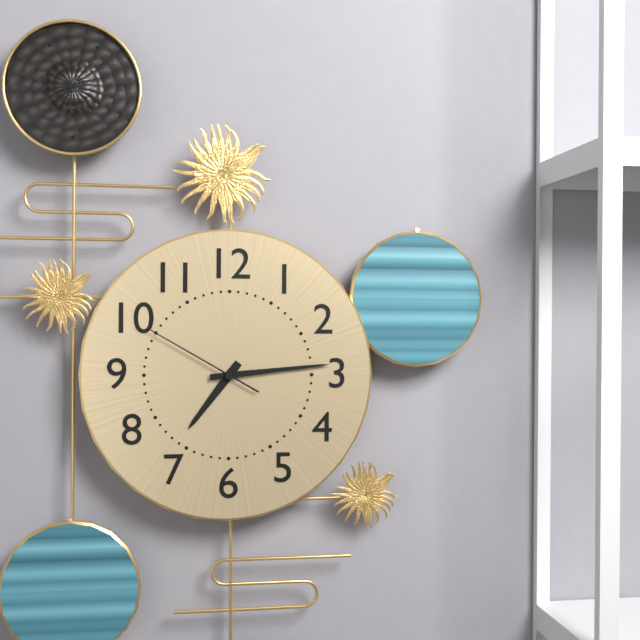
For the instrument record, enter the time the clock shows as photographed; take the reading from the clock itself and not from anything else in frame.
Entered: 7:14:50
